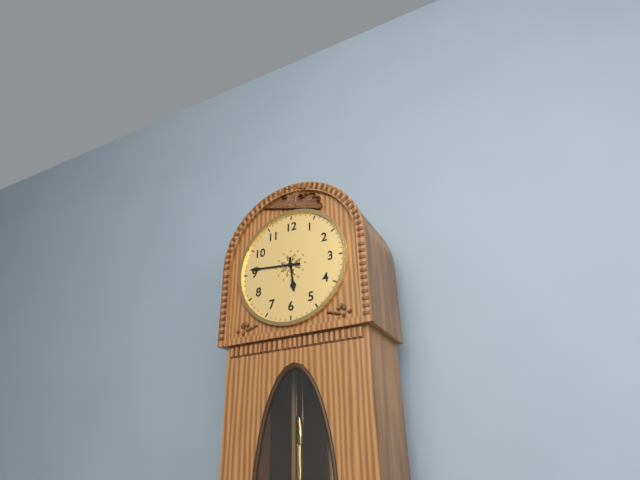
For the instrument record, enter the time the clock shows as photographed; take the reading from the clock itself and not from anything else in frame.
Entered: 5:46
